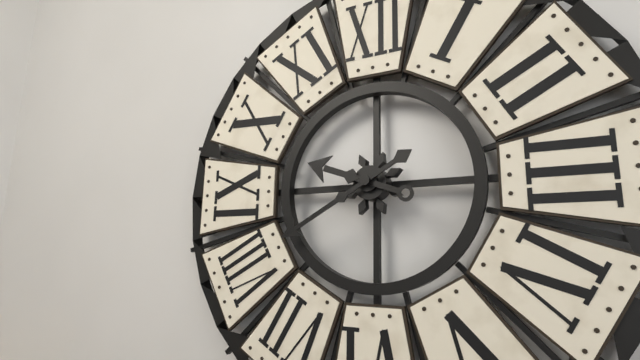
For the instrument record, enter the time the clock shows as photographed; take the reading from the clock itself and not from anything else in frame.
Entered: 9:40
